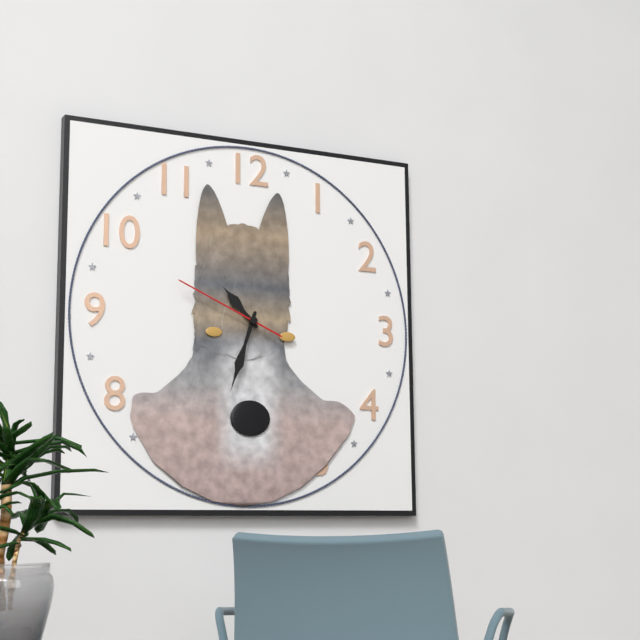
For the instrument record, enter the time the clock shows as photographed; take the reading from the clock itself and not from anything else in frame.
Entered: 10:33:49
